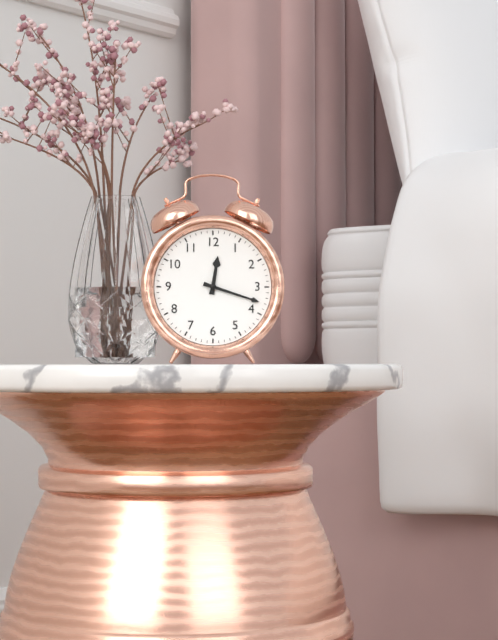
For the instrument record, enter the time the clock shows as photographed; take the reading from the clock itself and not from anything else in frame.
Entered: 12:18
